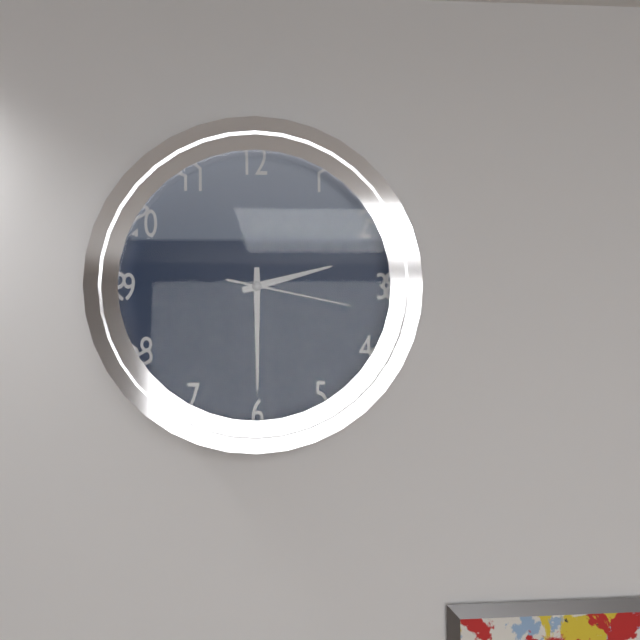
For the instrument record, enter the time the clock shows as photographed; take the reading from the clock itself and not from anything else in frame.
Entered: 2:30:17
